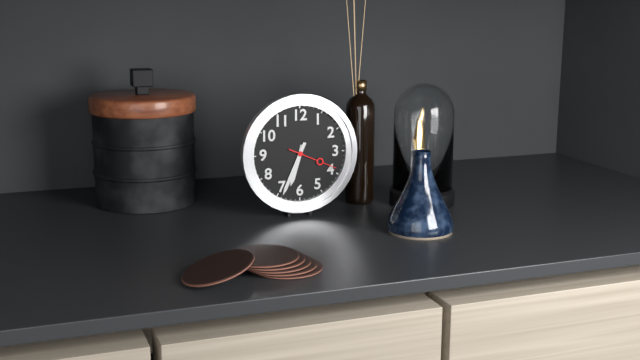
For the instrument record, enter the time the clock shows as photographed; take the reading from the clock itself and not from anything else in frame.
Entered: 6:34
